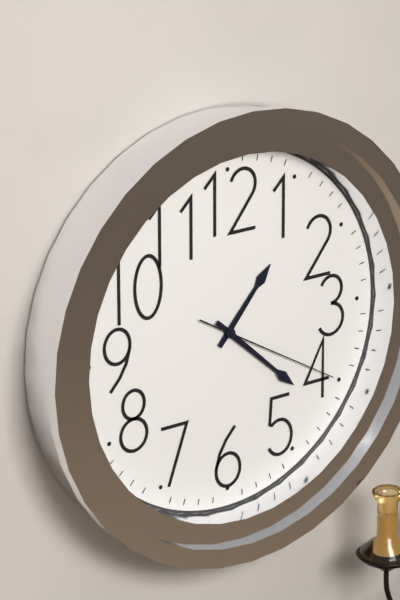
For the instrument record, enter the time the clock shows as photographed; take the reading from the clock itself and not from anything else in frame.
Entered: 1:22:20
